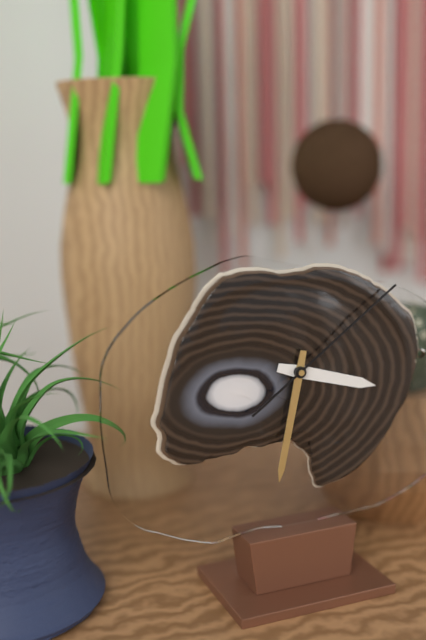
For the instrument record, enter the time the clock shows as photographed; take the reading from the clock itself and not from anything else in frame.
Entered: 3:32:09
